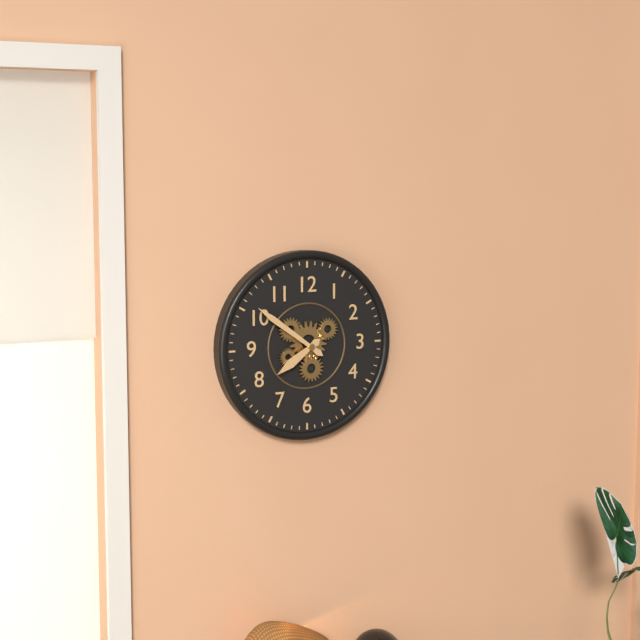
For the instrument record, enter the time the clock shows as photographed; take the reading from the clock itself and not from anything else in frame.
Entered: 7:51
